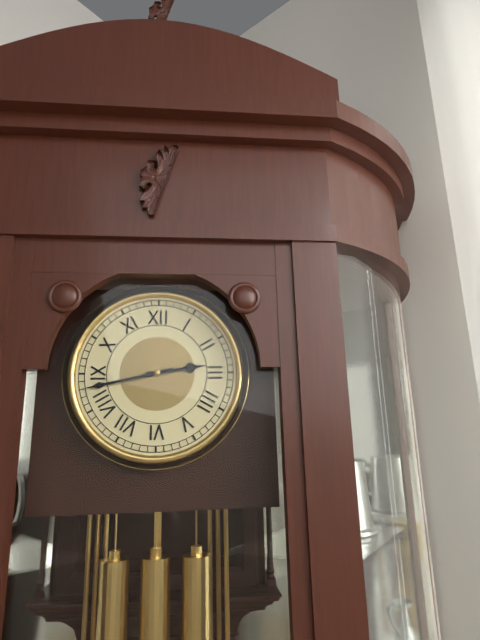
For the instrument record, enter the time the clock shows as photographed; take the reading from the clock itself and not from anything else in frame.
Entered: 2:43
